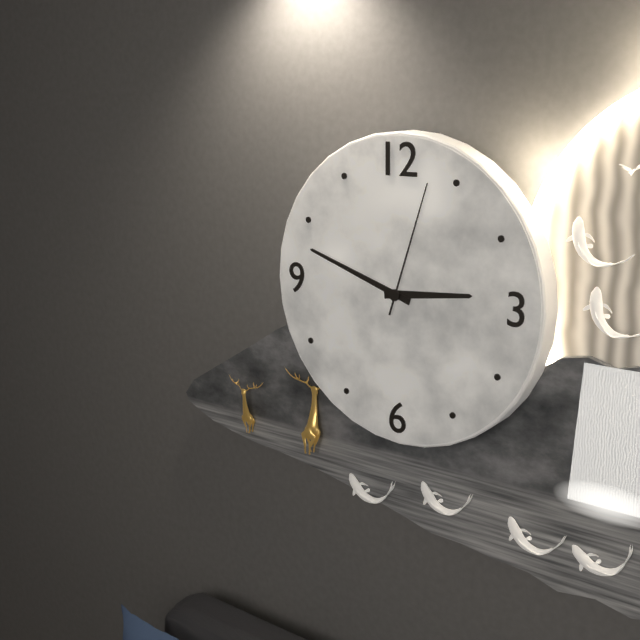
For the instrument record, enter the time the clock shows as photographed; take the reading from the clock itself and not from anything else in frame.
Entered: 2:48:03
